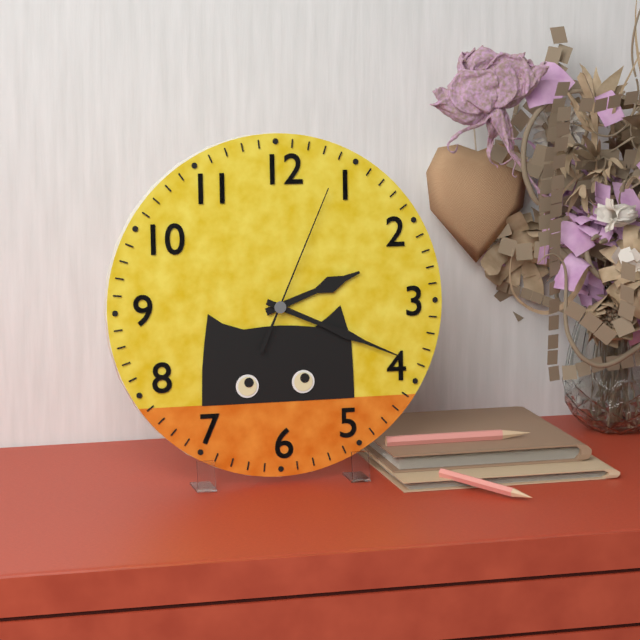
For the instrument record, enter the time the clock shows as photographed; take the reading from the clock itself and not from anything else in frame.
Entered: 2:19:04
